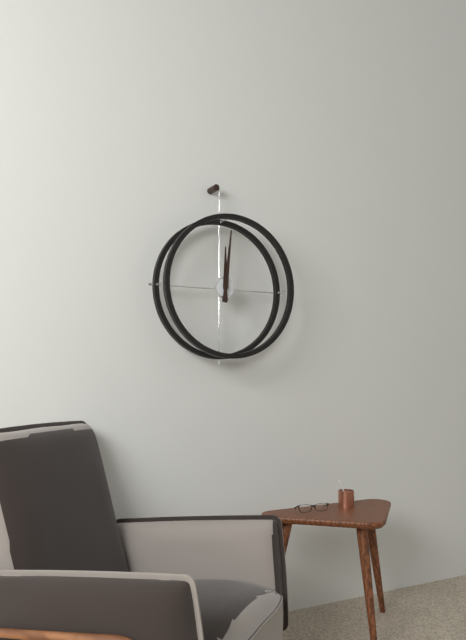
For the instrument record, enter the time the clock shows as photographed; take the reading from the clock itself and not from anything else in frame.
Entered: 12:01
